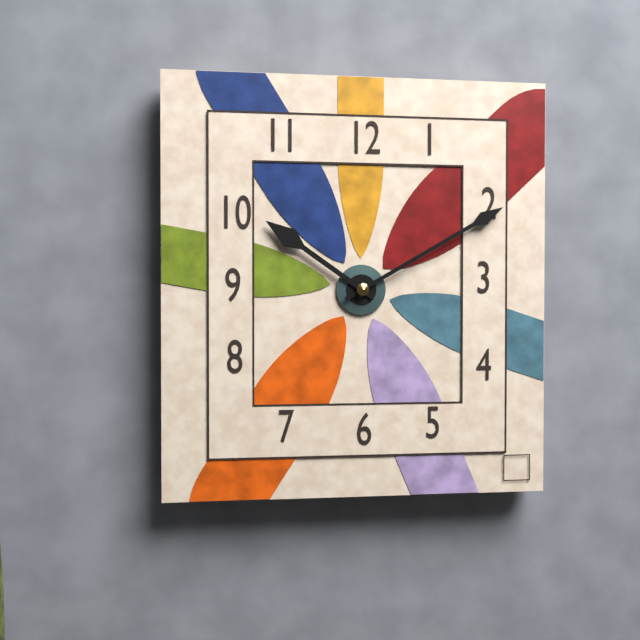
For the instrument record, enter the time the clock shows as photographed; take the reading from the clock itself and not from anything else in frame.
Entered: 10:10
